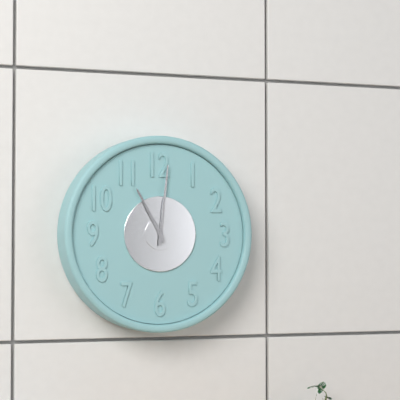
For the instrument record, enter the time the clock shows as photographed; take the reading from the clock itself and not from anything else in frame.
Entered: 11:01
